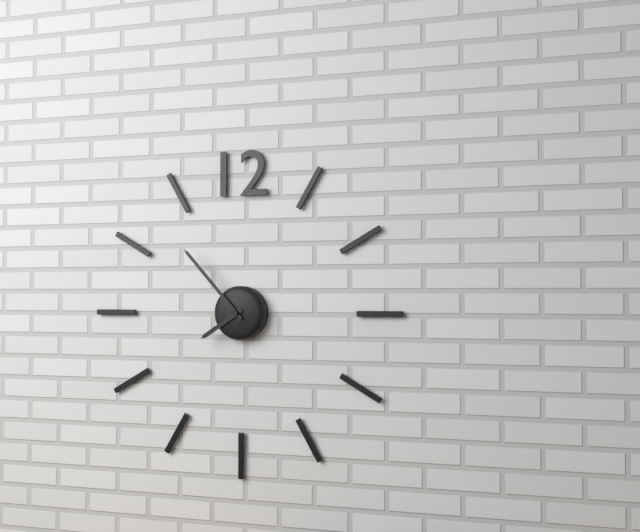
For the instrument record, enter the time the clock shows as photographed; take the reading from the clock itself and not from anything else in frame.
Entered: 7:53
